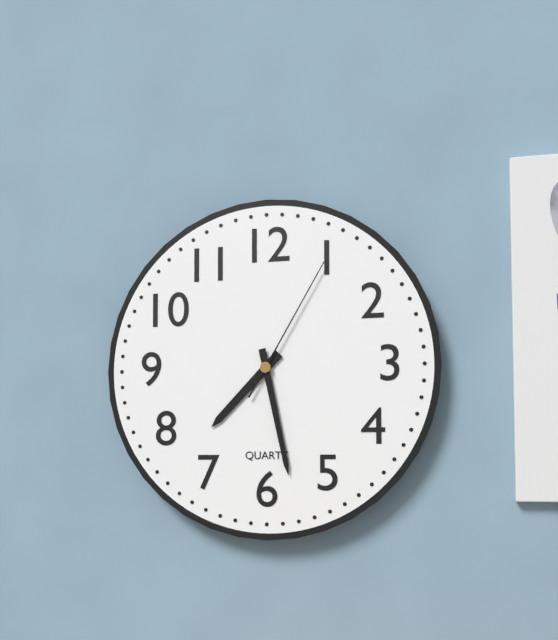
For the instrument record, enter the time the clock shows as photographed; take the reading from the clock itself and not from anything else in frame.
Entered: 7:28:05
